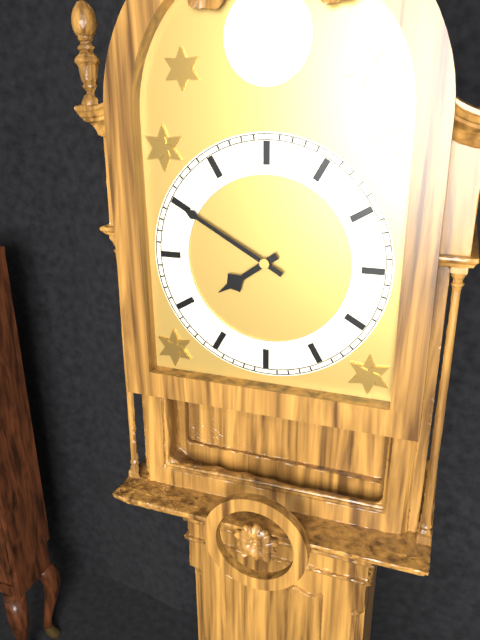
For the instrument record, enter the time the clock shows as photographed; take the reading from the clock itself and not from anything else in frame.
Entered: 7:50
